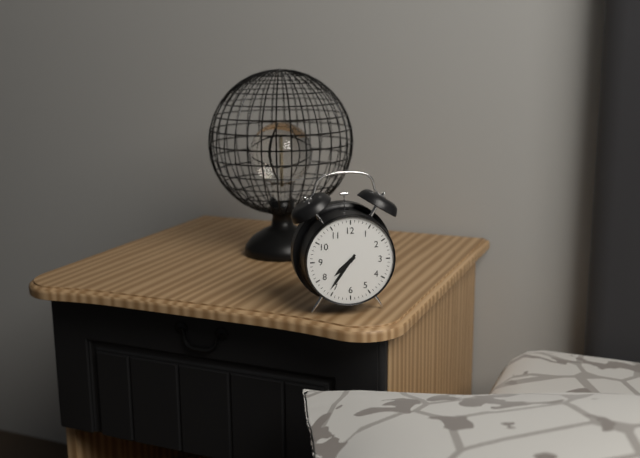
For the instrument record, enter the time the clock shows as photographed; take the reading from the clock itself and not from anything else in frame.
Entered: 7:36
